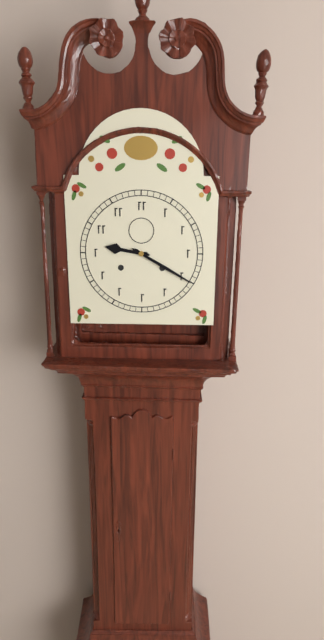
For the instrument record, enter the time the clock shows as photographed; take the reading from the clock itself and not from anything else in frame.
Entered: 9:20
